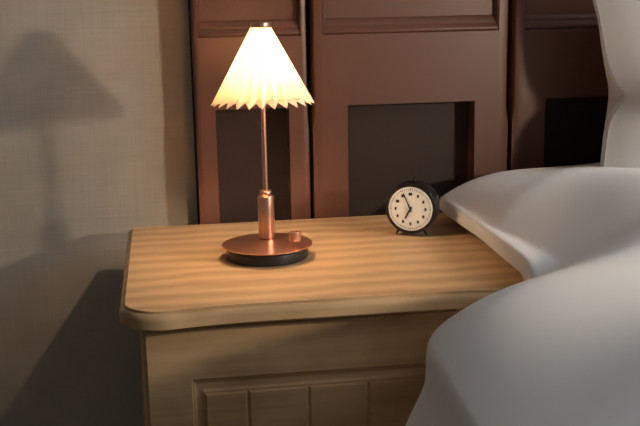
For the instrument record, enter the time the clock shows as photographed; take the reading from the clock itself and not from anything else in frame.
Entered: 6:56
